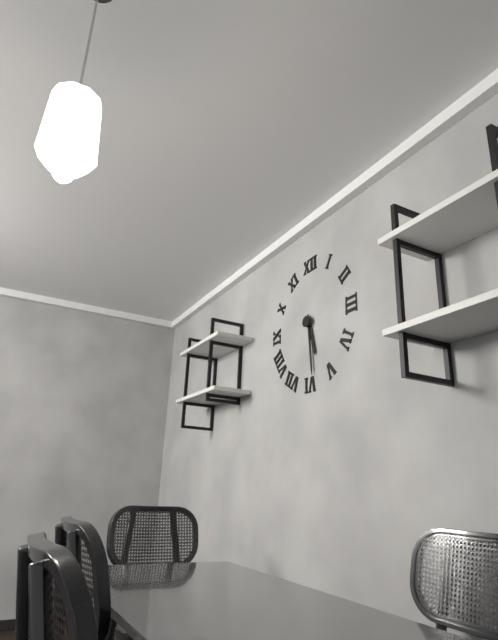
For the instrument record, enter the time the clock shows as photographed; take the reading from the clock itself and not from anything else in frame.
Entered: 5:29
